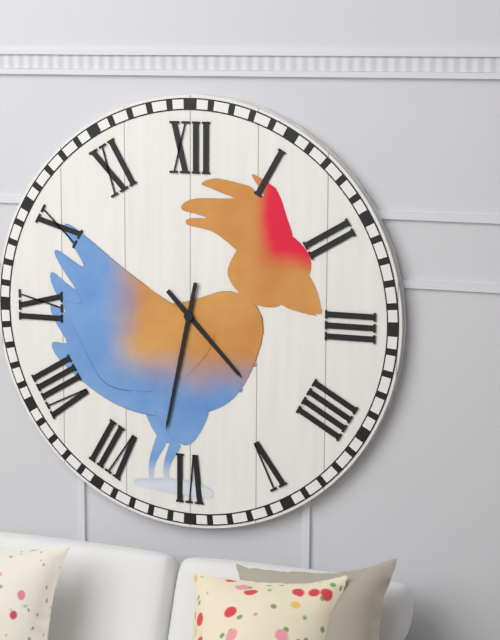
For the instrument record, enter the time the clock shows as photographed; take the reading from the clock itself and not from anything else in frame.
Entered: 4:32
